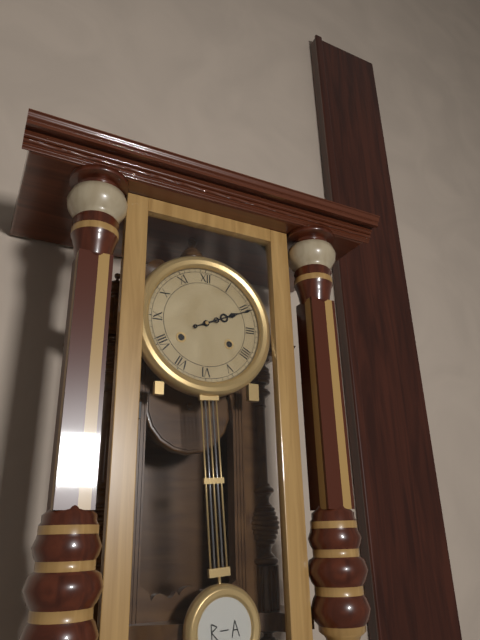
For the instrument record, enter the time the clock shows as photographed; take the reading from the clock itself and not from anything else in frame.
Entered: 2:11
